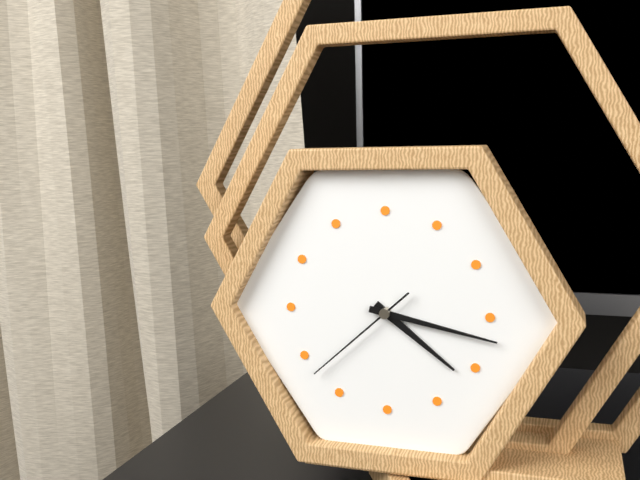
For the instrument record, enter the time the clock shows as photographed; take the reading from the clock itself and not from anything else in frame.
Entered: 4:17:38
